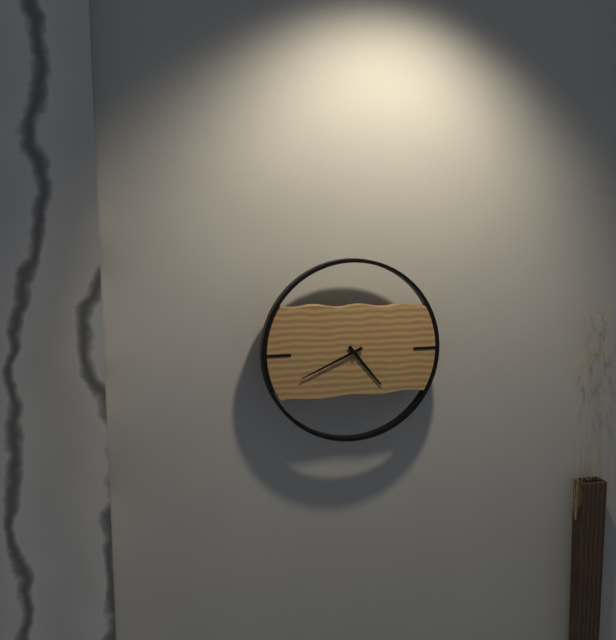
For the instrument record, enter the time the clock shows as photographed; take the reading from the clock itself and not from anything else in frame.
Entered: 4:41
